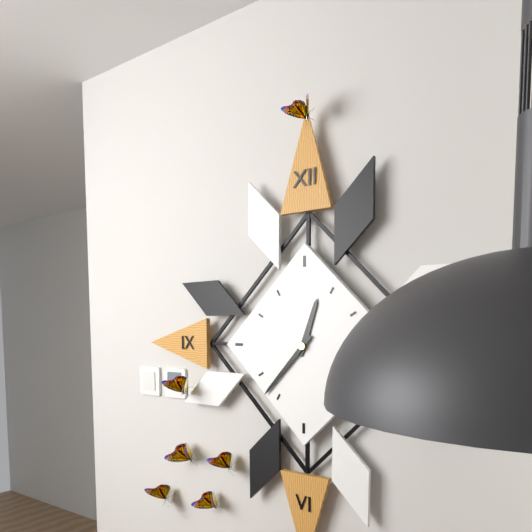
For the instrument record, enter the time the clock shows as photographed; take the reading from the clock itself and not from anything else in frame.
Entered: 12:37
